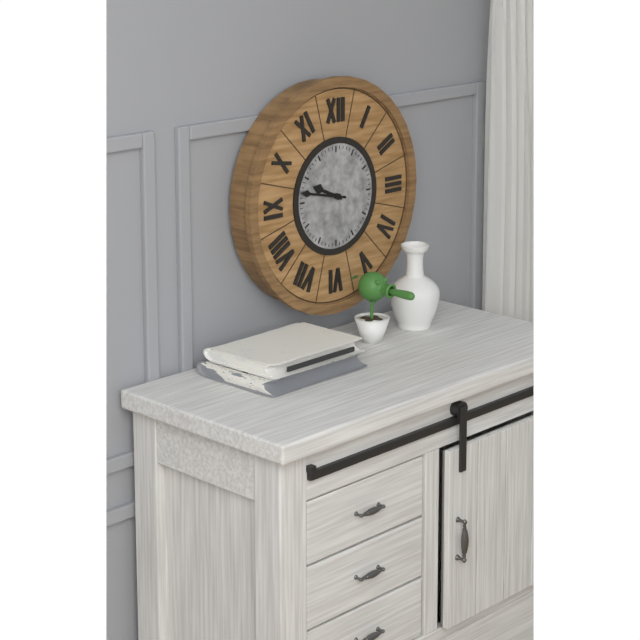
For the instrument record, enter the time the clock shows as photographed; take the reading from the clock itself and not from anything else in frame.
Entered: 9:47
